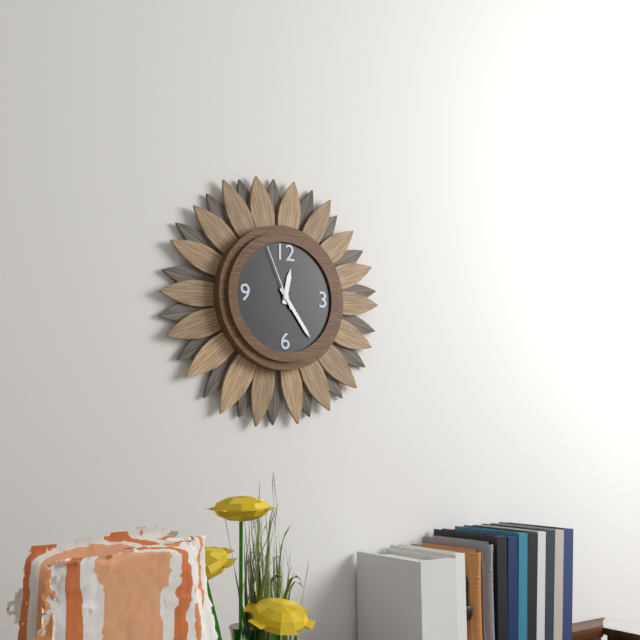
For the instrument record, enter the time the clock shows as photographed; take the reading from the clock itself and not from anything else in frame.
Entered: 12:24:56
